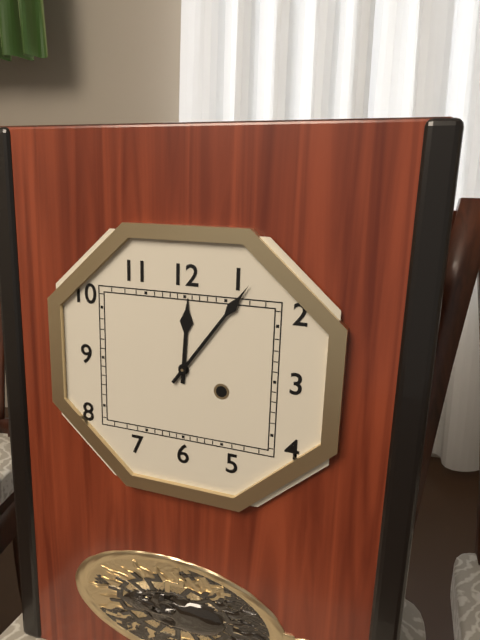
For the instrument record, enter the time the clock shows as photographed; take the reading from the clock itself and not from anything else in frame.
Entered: 12:06
